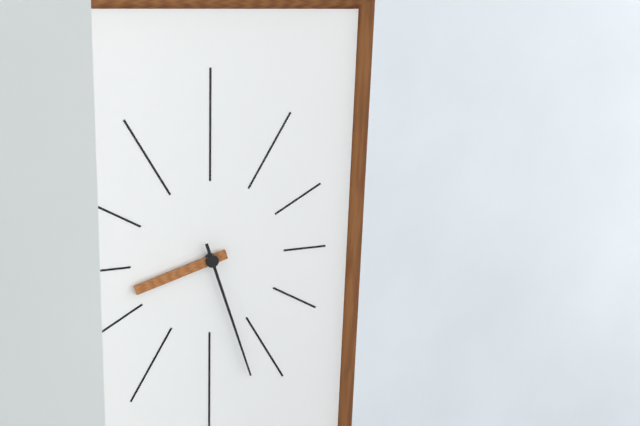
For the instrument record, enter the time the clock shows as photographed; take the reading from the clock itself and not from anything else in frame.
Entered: 8:27
